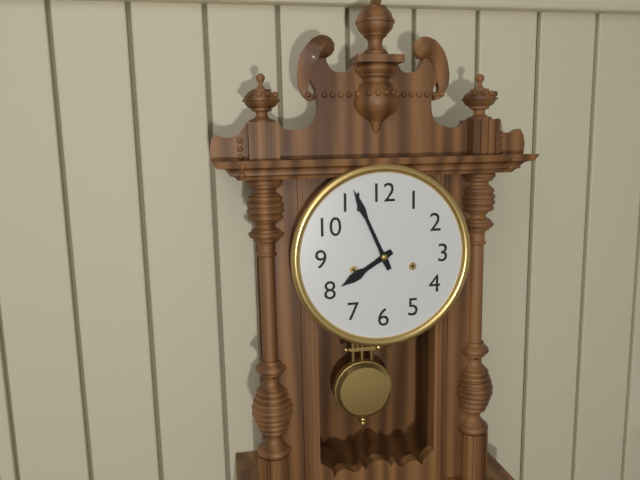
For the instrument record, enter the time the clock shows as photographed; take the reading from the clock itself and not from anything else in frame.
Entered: 7:56
